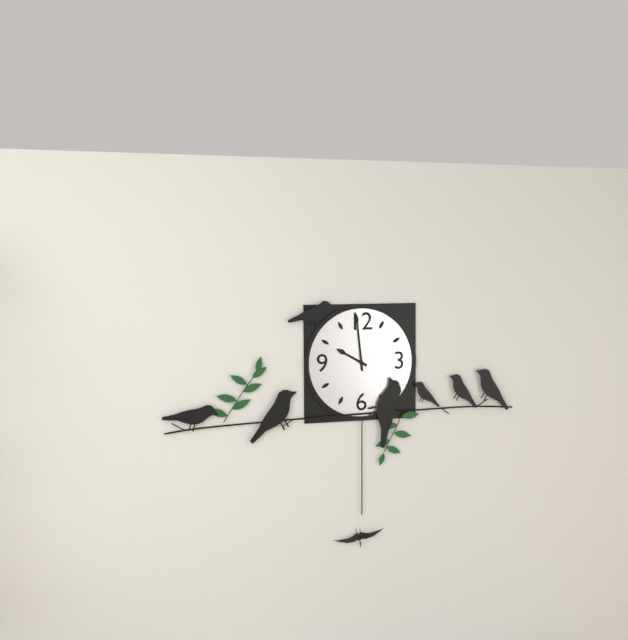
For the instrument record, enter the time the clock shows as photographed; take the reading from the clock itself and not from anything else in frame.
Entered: 9:59
